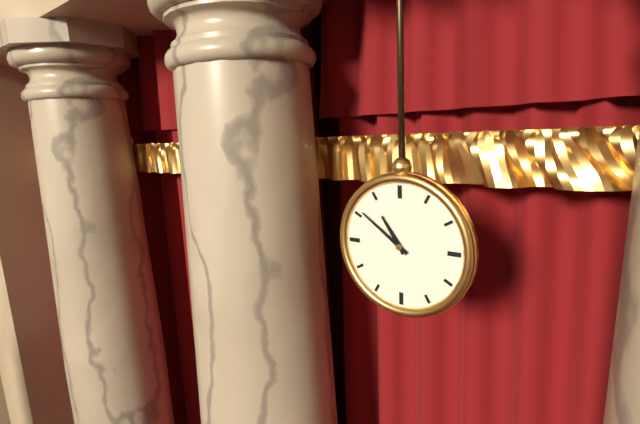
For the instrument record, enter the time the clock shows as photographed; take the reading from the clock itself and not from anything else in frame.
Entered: 10:51
